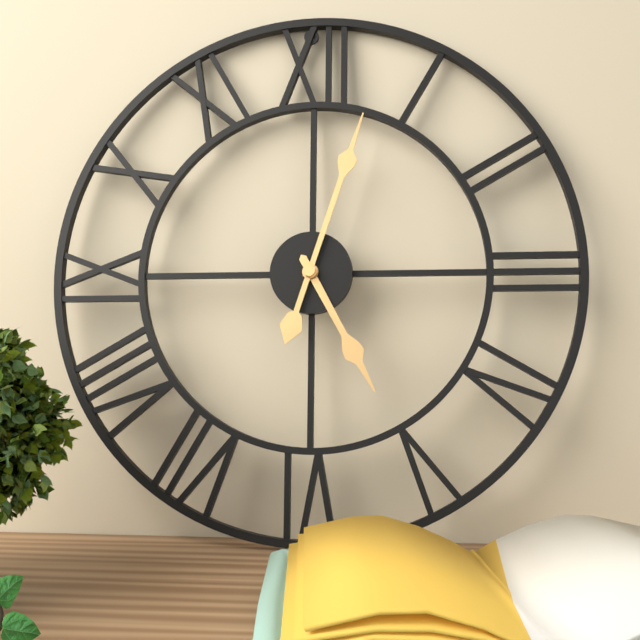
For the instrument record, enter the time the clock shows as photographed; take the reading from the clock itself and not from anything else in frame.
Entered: 5:03
